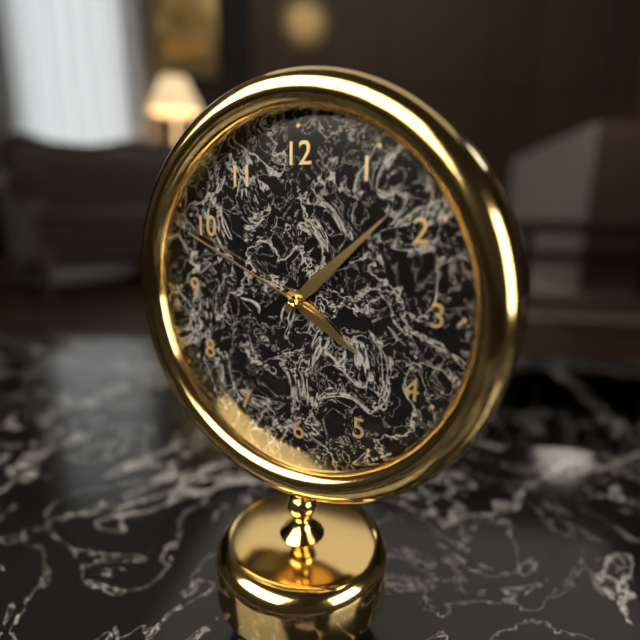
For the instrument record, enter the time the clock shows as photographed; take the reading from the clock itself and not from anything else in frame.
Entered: 4:08:49
